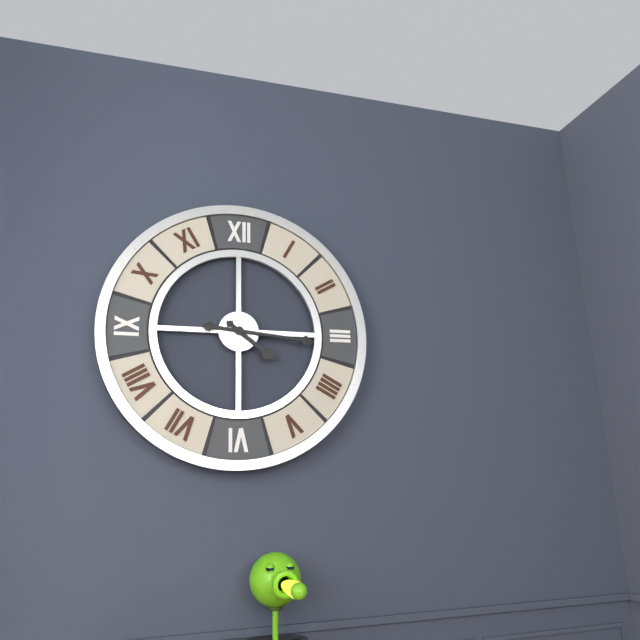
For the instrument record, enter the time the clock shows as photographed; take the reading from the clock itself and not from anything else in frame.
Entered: 4:16
